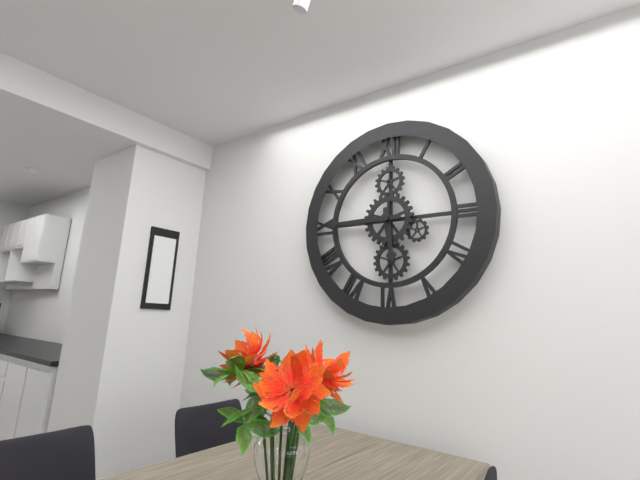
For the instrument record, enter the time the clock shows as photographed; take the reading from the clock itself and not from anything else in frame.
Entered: 5:45
